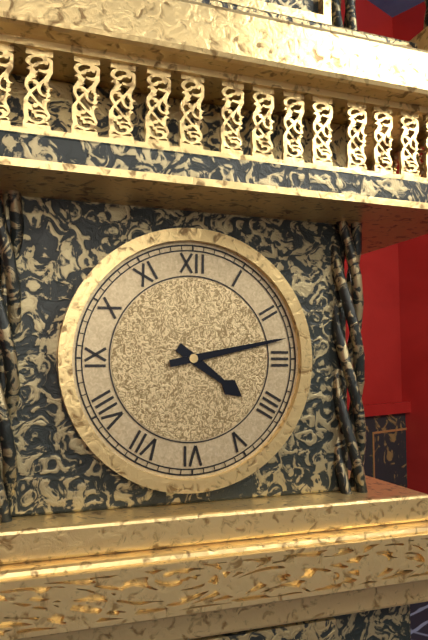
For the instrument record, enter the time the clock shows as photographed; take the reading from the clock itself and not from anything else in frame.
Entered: 4:13
